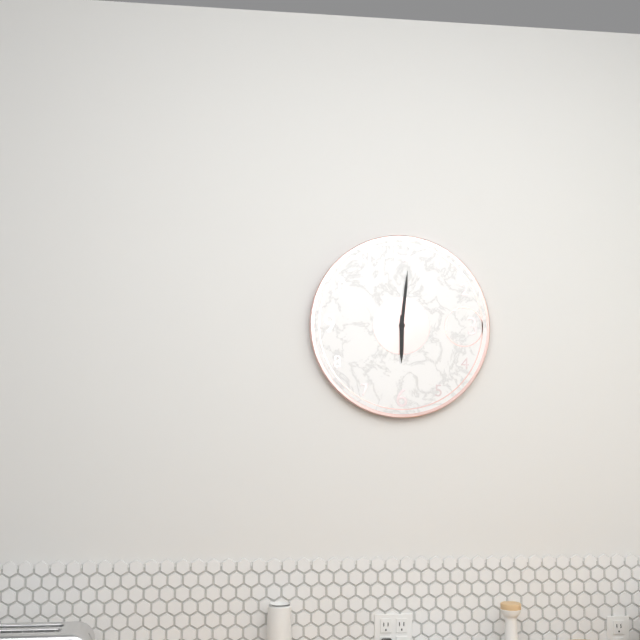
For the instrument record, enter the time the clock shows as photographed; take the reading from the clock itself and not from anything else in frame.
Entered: 6:01
